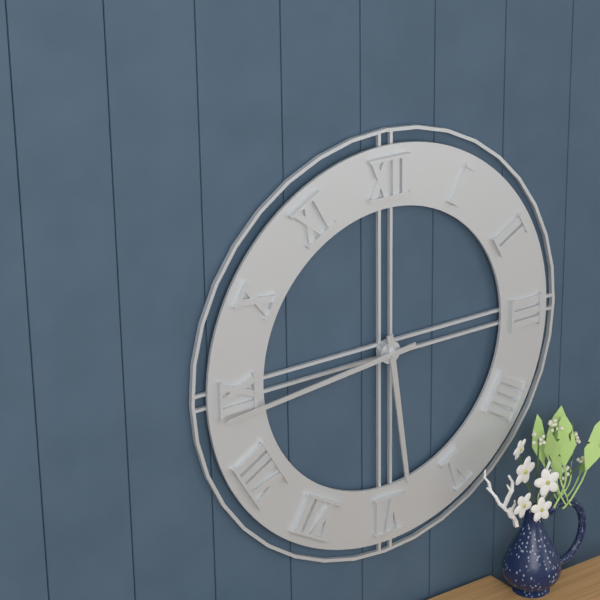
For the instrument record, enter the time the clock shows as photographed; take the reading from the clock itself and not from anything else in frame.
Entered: 5:44
